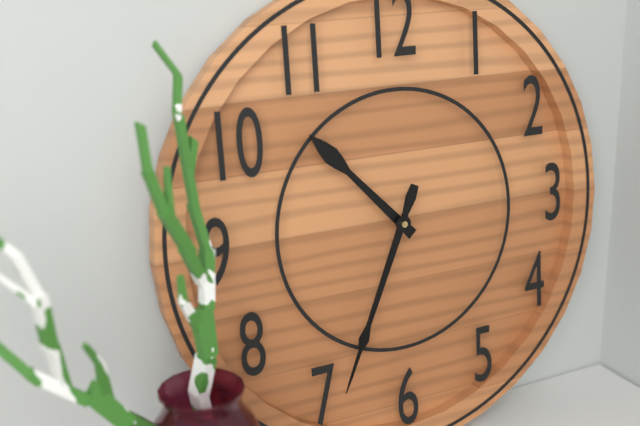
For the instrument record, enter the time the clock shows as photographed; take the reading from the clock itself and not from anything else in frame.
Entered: 10:34
